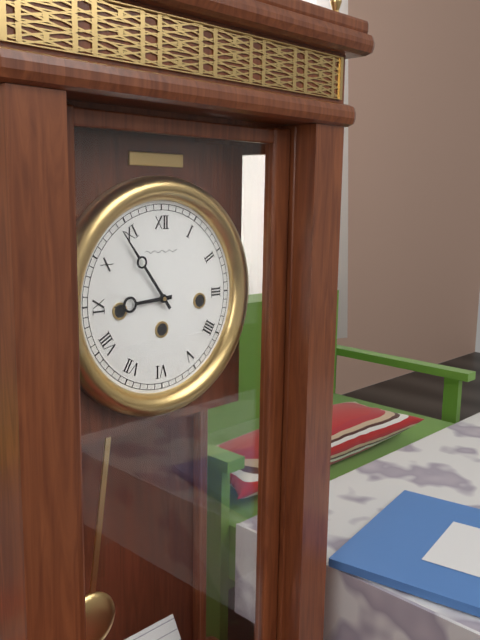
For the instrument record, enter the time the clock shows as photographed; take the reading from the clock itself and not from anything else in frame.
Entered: 8:54
